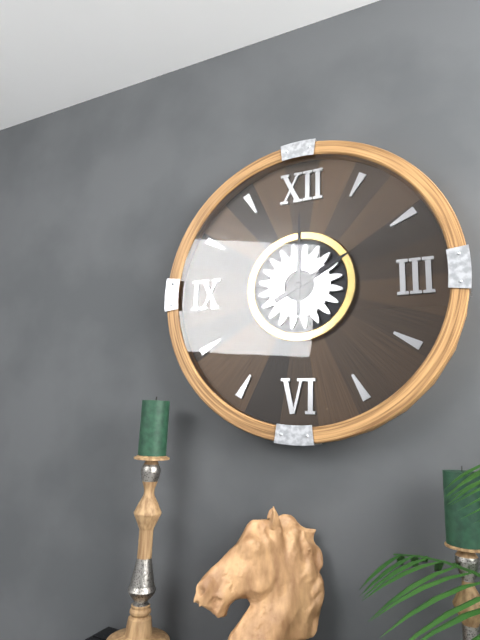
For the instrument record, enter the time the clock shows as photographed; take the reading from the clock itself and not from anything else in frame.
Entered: 2:00
